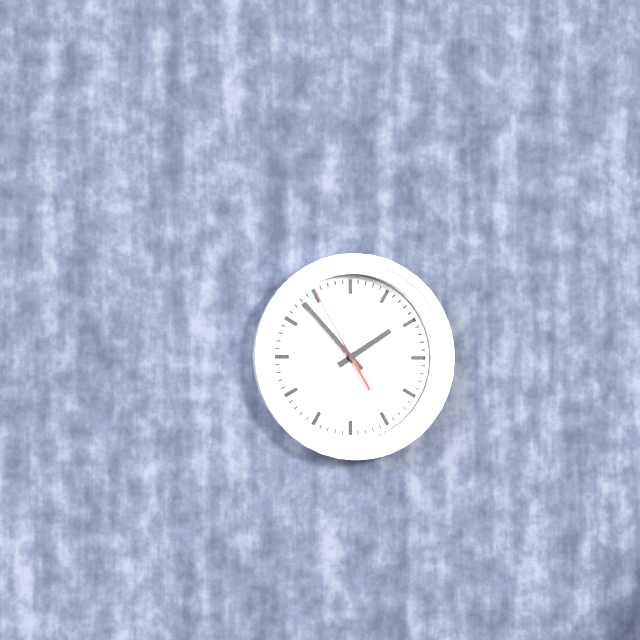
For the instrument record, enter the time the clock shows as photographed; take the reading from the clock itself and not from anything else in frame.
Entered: 1:53:55
